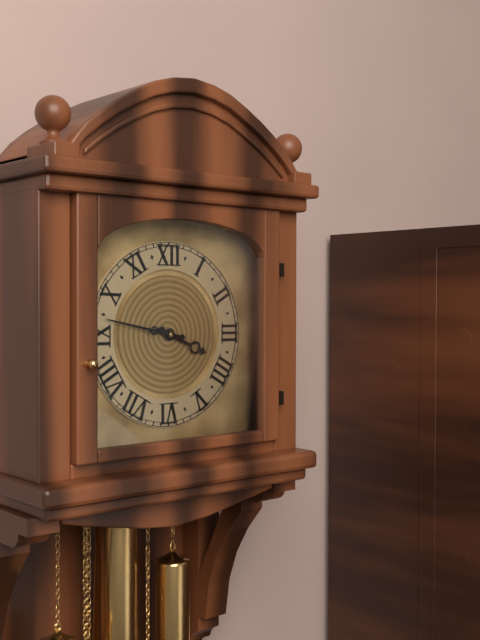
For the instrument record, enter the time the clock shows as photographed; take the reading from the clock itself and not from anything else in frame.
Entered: 3:47
